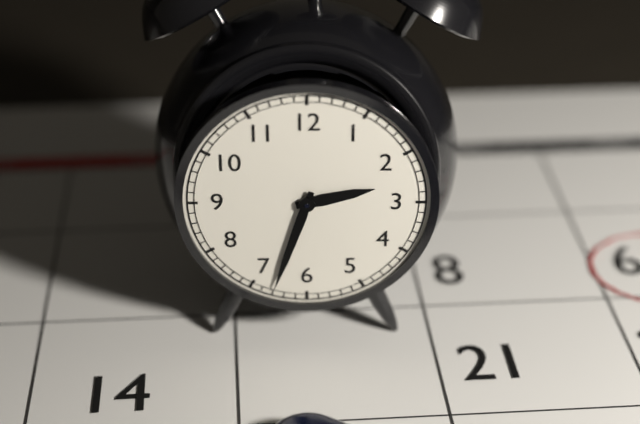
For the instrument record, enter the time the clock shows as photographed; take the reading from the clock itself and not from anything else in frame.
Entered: 2:33
